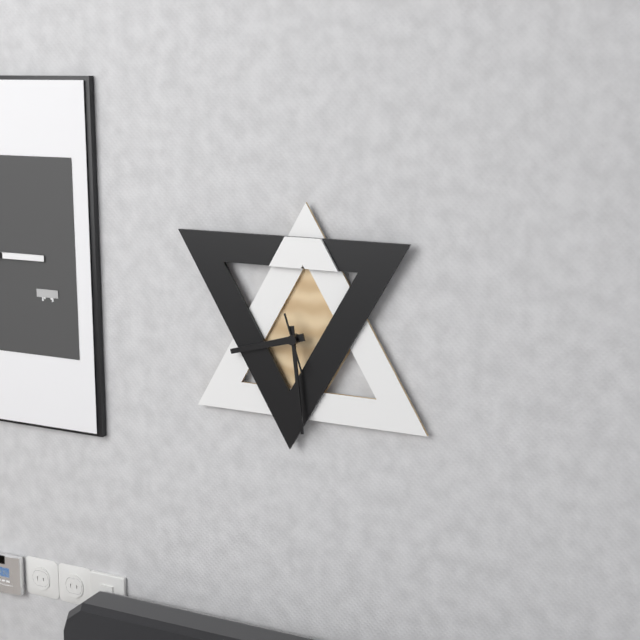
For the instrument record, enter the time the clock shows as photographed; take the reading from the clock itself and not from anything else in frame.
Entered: 8:29
